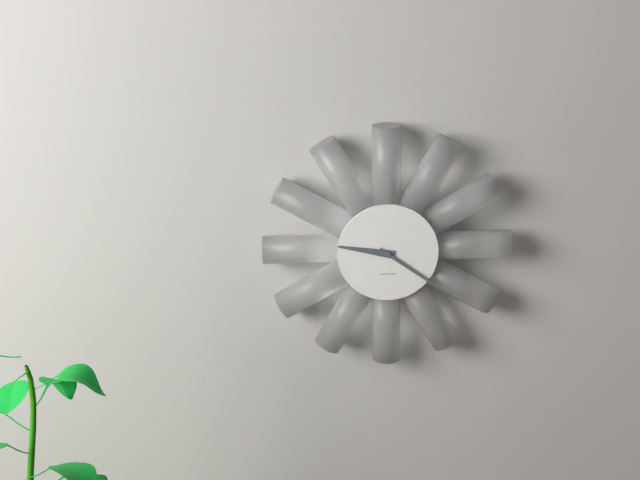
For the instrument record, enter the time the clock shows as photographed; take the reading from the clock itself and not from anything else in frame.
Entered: 9:21
